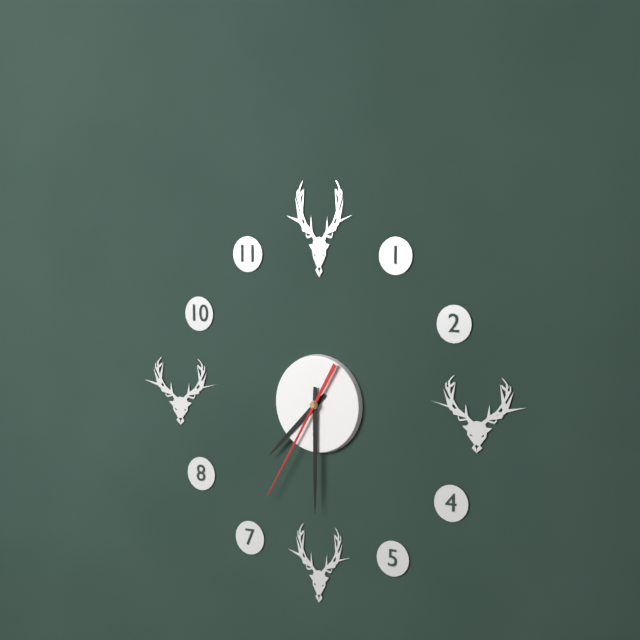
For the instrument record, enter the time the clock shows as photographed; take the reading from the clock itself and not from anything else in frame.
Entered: 7:30:35
